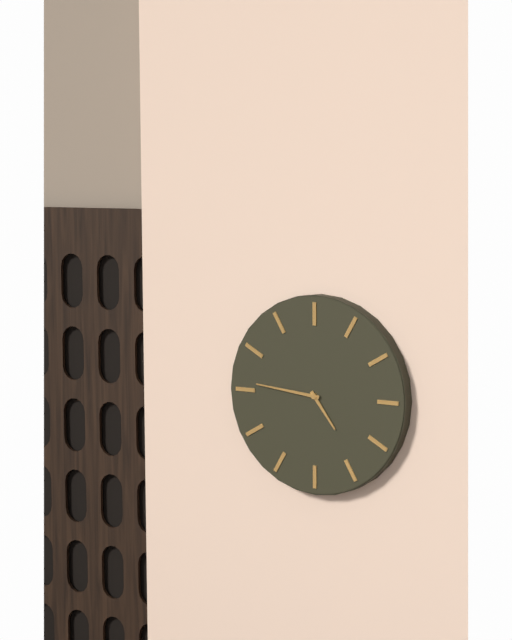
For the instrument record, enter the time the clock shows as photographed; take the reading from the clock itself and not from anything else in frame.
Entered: 4:46
